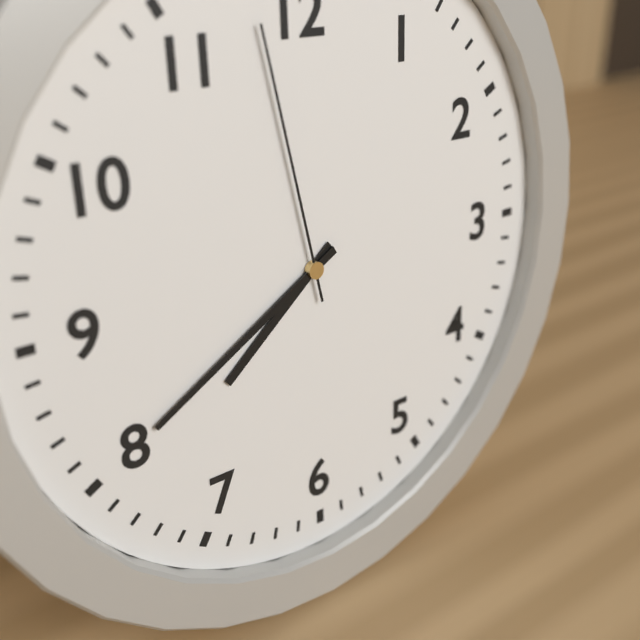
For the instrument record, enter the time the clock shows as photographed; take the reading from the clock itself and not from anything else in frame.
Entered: 7:40:58
